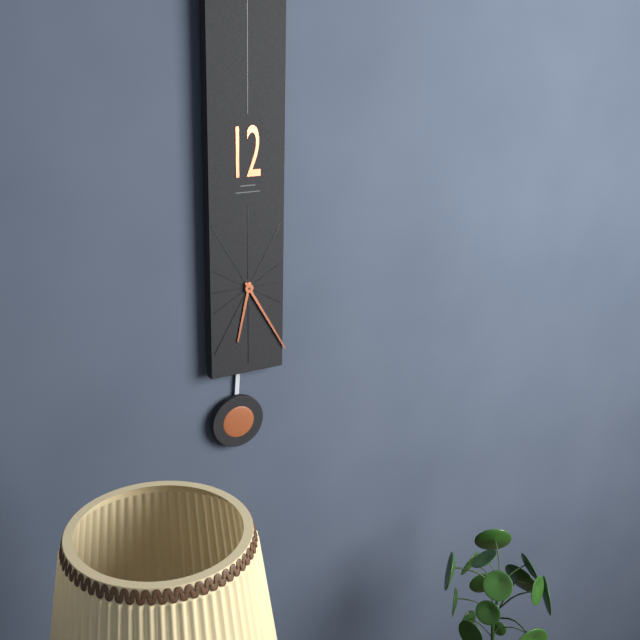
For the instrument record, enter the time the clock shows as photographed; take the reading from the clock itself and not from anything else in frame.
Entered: 6:25
